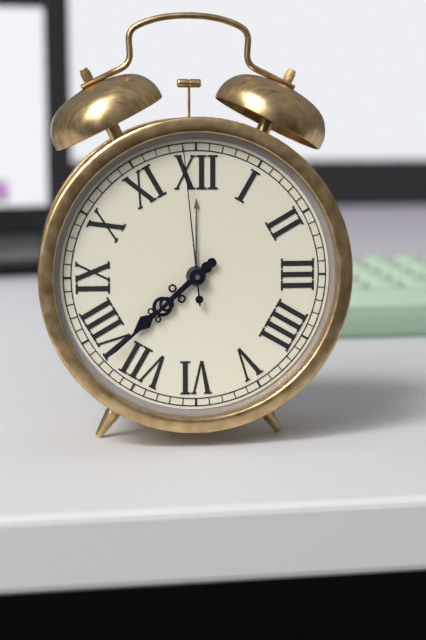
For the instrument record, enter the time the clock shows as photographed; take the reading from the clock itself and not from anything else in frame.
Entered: 7:38:59
